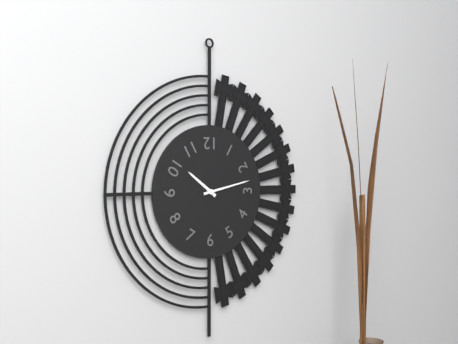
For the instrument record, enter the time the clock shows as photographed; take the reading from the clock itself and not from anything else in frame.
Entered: 10:13
